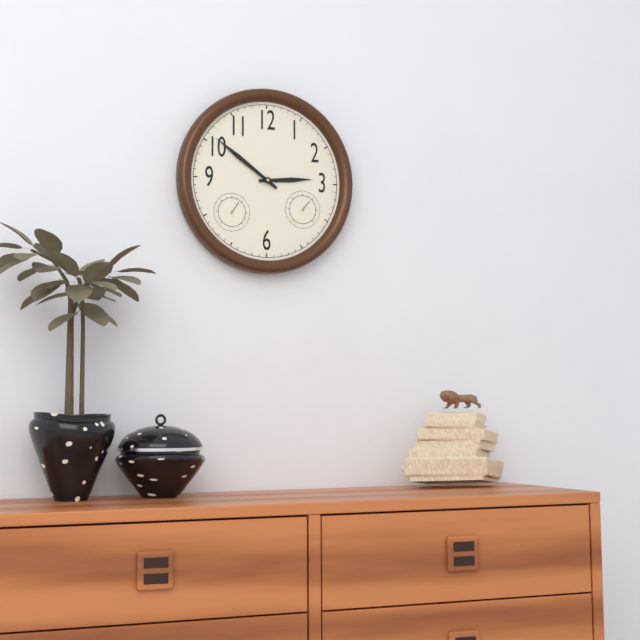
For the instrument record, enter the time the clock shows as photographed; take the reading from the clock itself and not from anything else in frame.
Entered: 2:51
